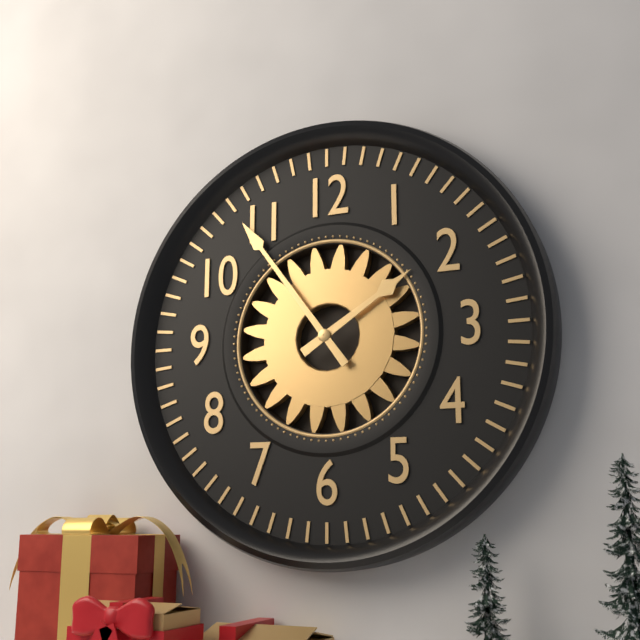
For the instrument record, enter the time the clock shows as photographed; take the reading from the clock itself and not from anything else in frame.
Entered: 1:54
